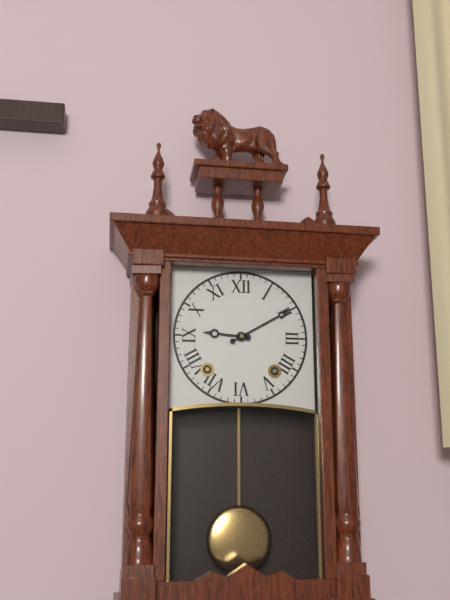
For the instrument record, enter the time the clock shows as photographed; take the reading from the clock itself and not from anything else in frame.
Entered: 9:10
